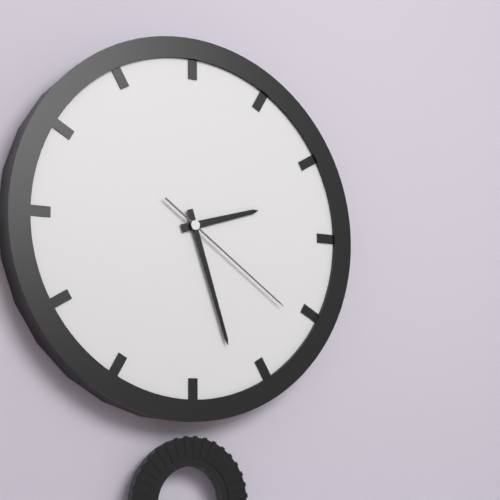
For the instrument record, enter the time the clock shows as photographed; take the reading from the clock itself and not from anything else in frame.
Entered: 2:27:21
